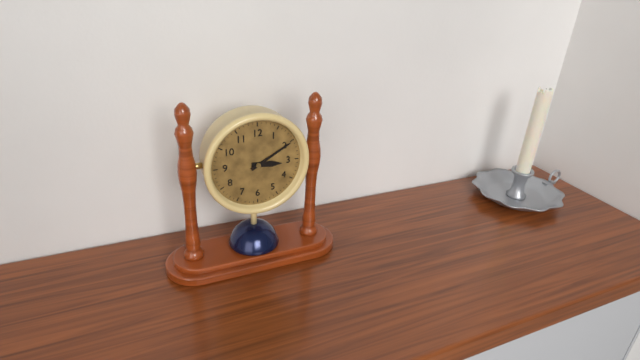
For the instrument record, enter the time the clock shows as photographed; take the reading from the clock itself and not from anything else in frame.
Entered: 3:10
